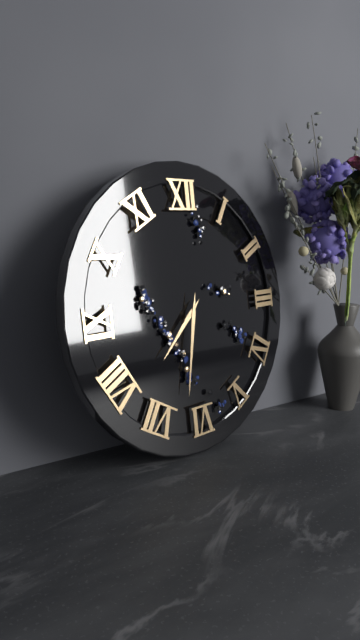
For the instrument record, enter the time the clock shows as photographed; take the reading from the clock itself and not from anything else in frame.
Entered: 7:32
